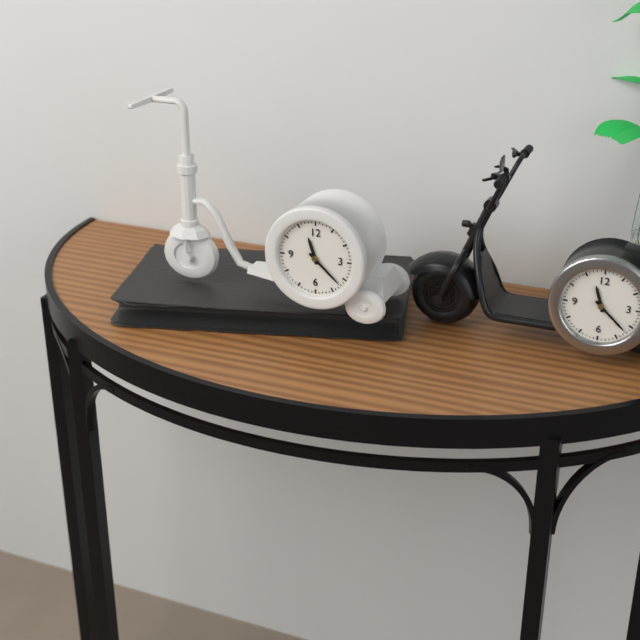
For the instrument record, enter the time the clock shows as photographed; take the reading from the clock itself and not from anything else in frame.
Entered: 11:22
